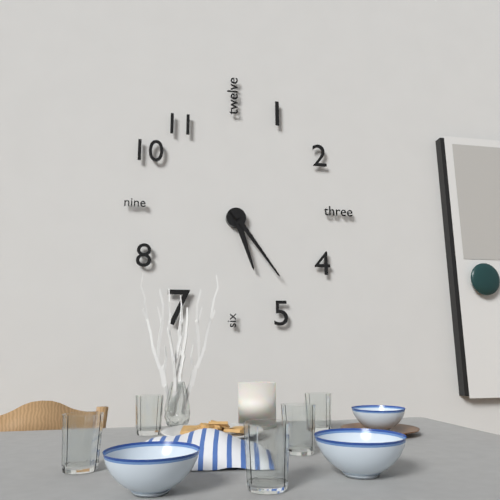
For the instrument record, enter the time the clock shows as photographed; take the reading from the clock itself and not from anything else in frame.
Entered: 5:24
